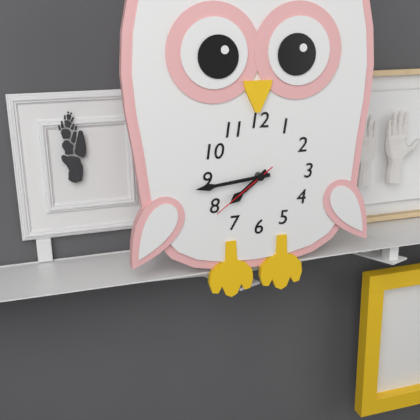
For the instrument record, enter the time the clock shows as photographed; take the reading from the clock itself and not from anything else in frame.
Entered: 7:44:39
